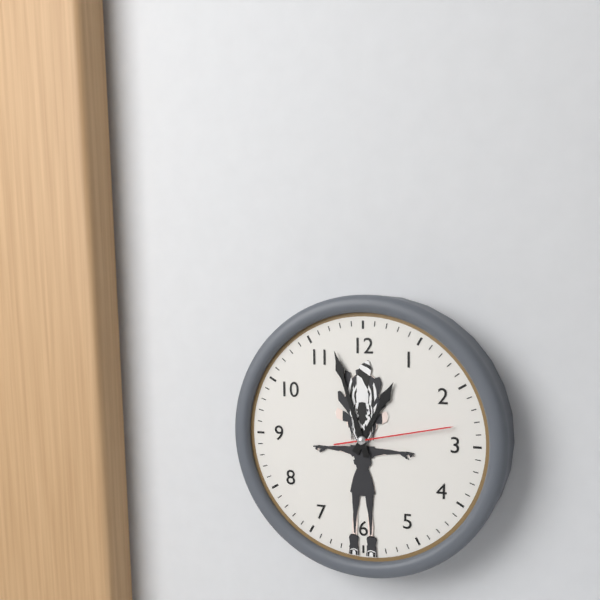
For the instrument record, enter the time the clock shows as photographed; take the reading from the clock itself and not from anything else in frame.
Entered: 12:57:13
